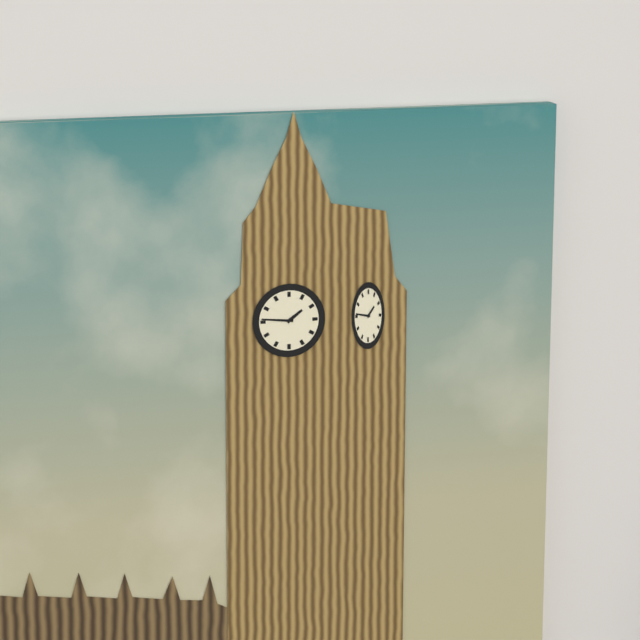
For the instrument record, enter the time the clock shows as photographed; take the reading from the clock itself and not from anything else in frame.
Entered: 1:46
